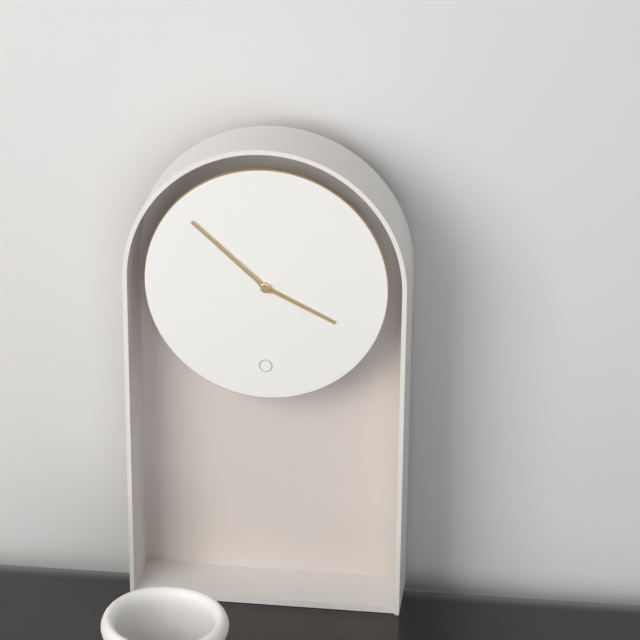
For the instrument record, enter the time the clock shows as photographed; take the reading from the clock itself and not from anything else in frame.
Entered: 3:52
